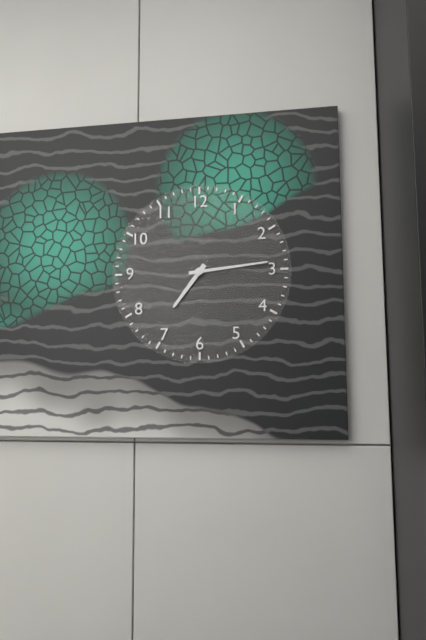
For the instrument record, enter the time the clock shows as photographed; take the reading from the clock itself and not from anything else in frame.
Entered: 7:14
